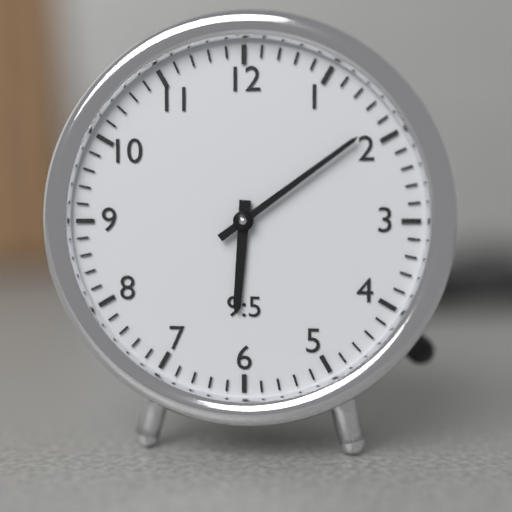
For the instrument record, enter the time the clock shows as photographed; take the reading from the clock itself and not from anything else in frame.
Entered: 6:09
